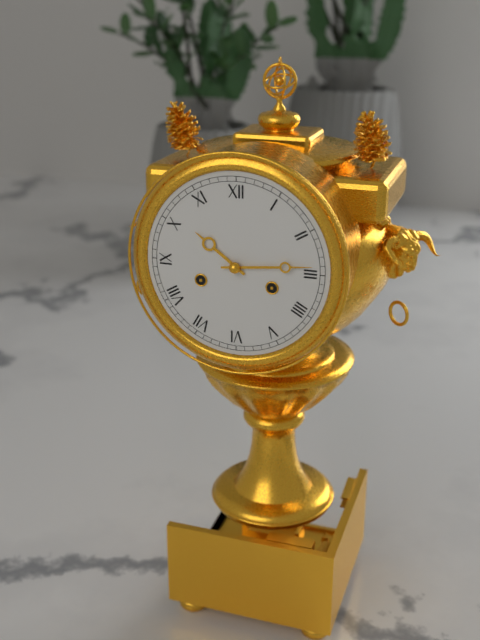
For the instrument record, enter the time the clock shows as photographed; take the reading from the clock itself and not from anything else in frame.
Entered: 10:14
